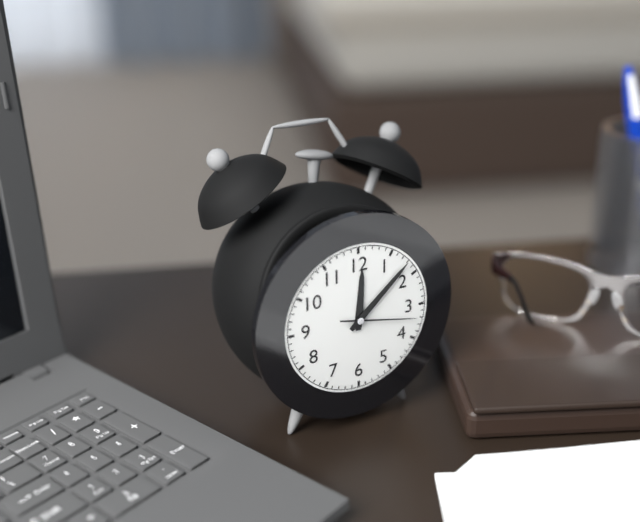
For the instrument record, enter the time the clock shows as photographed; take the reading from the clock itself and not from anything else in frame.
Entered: 12:08:17
